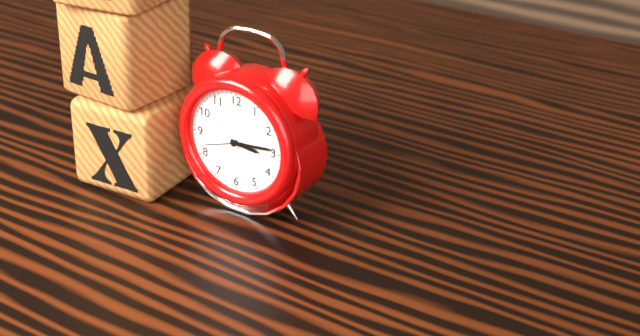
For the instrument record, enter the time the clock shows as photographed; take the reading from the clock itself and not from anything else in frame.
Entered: 3:14
